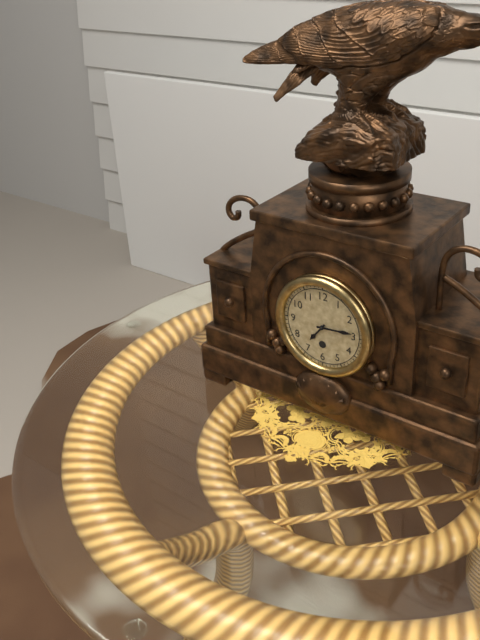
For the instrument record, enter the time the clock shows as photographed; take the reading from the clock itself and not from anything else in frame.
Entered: 7:14
